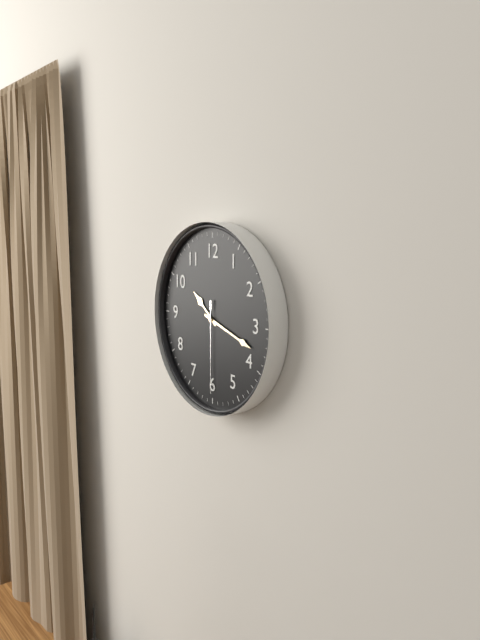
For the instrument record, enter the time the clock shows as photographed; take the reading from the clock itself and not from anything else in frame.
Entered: 10:18:30
